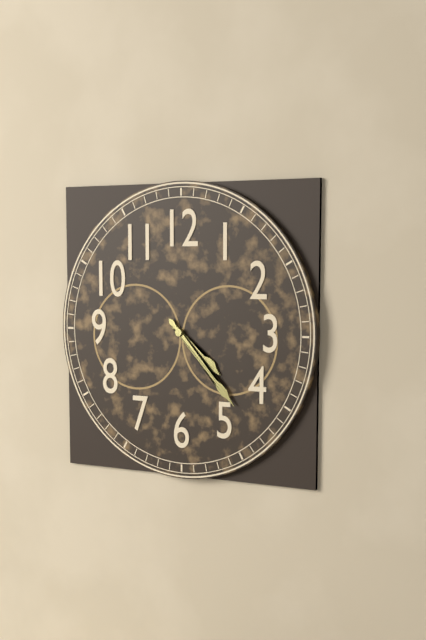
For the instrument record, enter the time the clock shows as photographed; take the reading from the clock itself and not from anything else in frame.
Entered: 4:23
